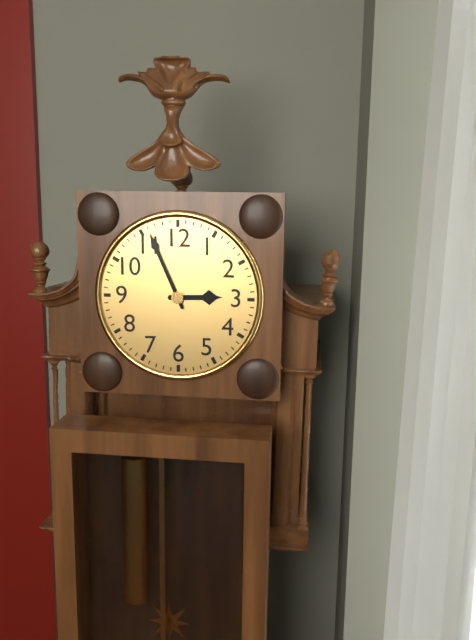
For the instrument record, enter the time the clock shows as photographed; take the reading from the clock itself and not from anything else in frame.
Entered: 2:56
